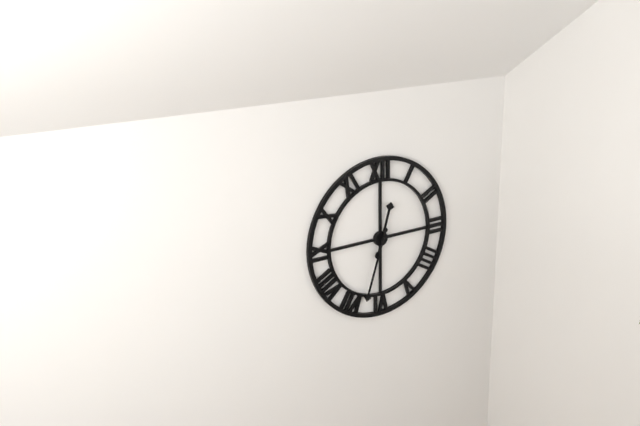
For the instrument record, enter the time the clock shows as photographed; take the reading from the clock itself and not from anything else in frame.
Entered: 12:33
